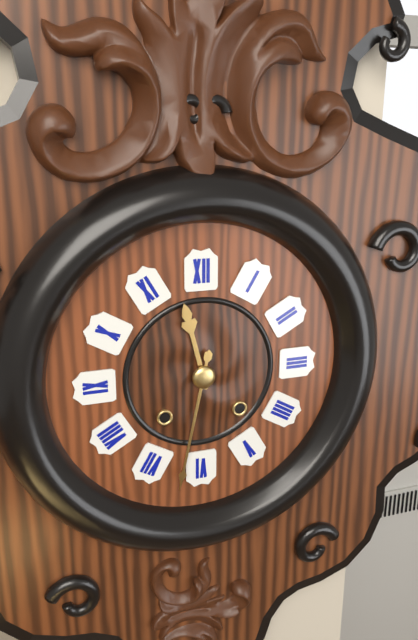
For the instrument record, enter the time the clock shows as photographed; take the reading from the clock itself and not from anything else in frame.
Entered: 11:32
